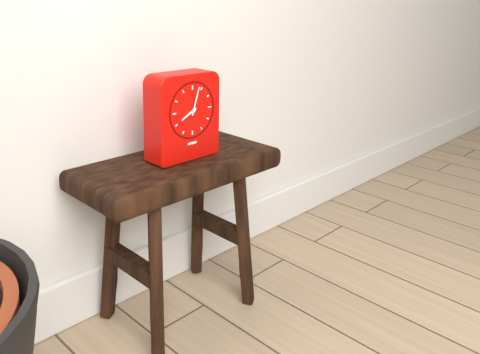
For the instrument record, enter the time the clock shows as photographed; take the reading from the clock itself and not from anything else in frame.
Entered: 8:03
